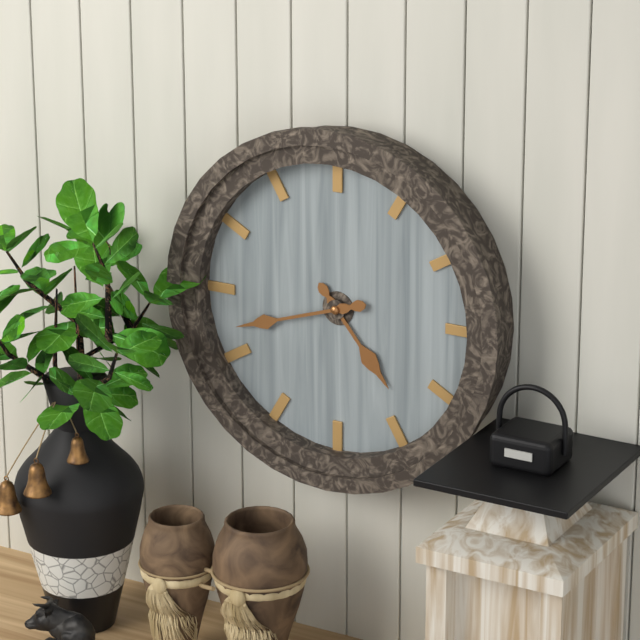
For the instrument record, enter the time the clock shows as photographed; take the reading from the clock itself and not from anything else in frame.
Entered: 4:42
